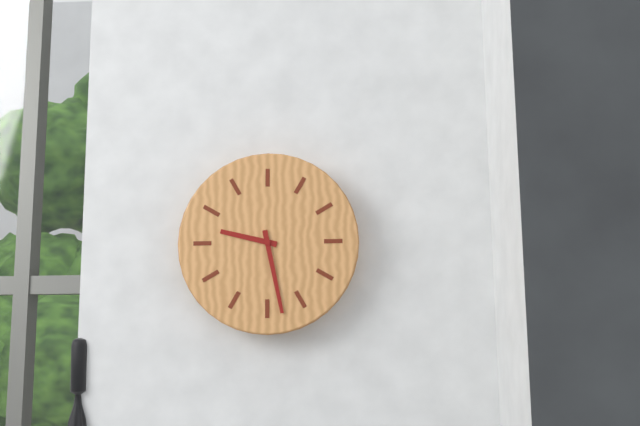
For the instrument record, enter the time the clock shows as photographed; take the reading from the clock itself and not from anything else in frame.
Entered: 9:28
